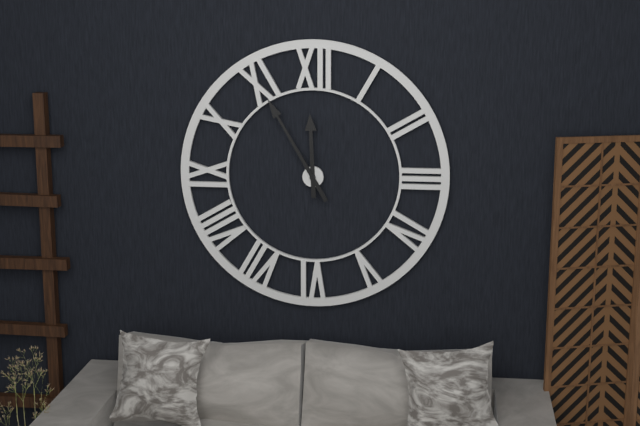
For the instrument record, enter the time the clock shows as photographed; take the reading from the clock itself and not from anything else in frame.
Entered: 11:55
